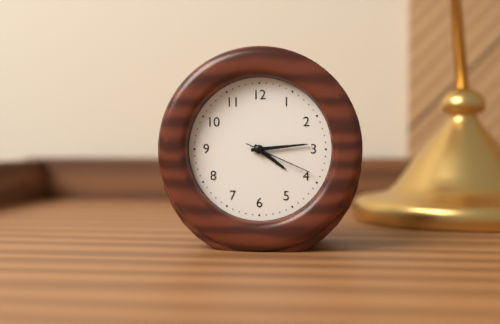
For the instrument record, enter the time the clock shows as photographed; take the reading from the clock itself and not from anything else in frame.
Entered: 4:14:19
